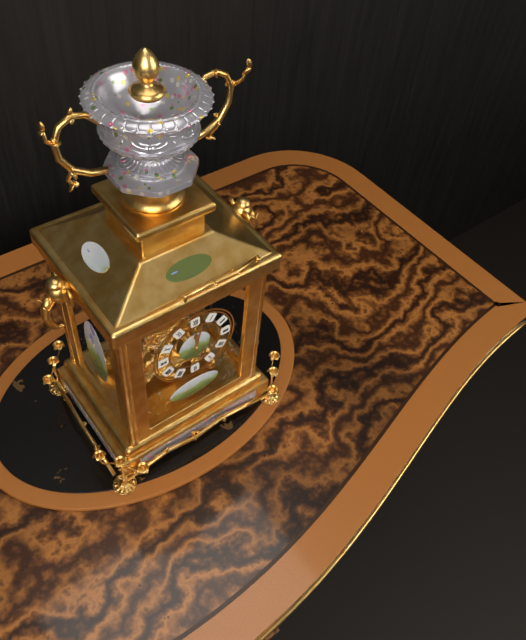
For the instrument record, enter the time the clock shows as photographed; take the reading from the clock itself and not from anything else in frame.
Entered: 12:02
